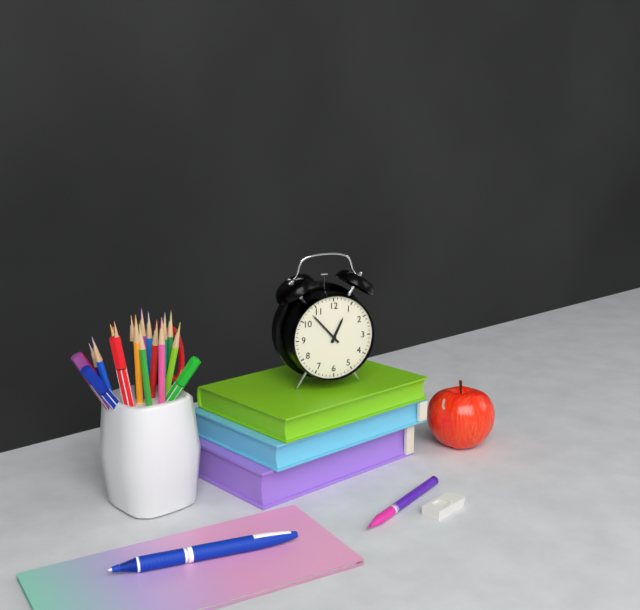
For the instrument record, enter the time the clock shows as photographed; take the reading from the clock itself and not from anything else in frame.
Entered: 12:53
